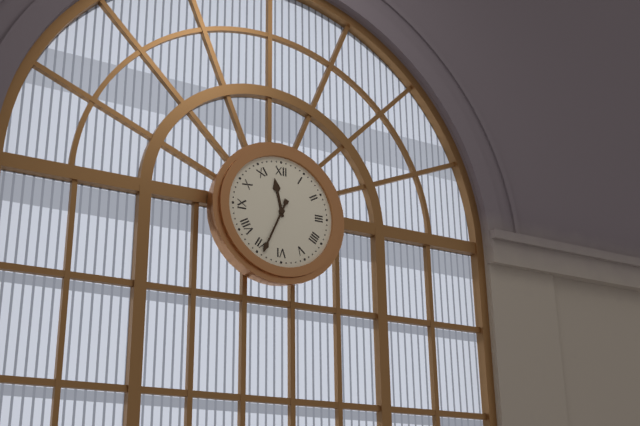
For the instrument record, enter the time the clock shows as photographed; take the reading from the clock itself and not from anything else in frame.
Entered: 11:34
